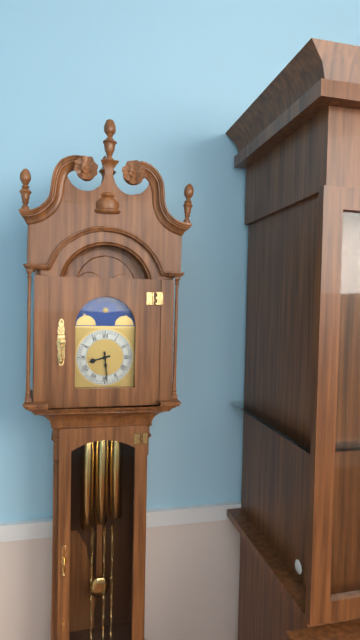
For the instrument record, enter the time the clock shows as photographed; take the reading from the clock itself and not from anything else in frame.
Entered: 8:29
